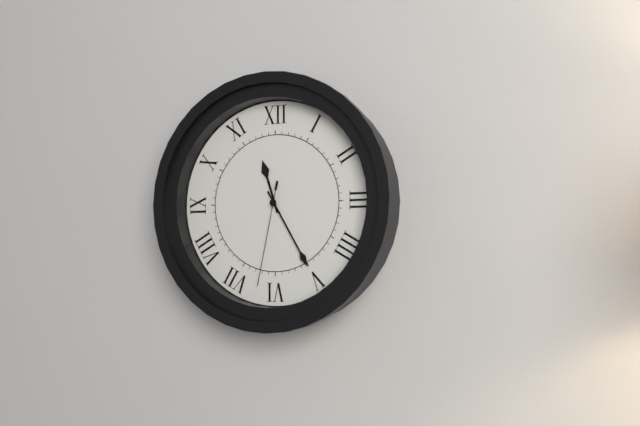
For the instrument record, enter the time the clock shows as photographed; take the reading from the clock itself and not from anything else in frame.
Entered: 11:25:32
